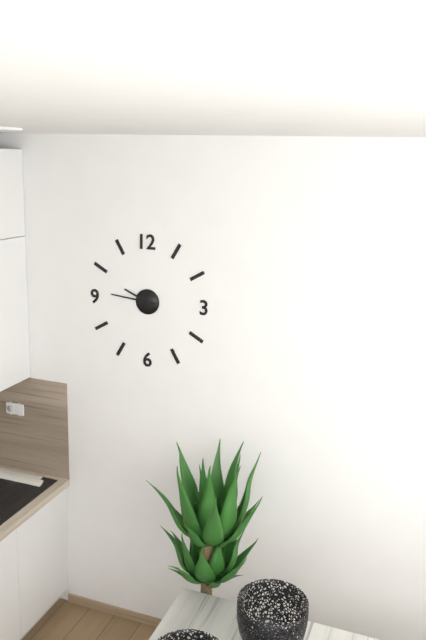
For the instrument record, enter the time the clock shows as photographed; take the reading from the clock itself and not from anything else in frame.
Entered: 9:46
